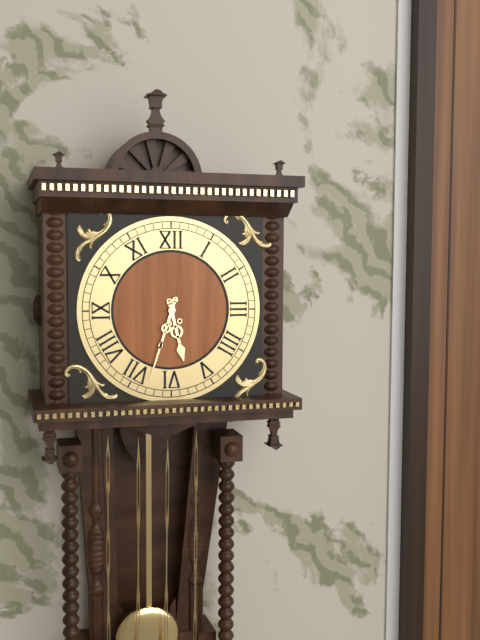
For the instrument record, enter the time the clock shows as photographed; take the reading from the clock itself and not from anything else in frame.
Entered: 5:33
